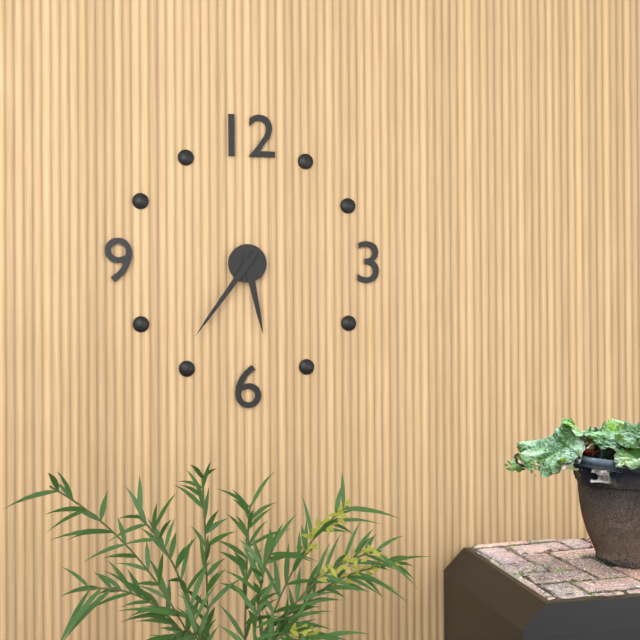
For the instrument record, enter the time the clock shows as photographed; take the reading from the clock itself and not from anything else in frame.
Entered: 5:36
